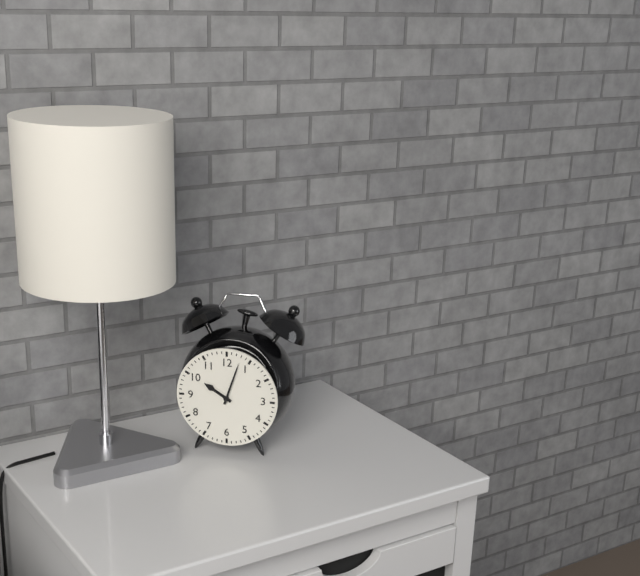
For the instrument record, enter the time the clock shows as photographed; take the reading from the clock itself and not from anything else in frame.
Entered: 10:03
